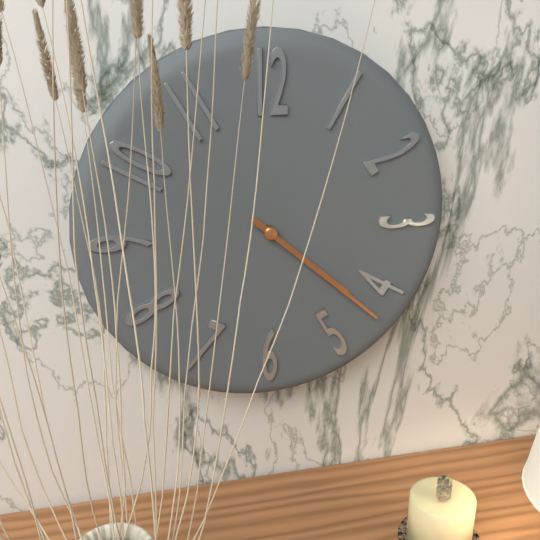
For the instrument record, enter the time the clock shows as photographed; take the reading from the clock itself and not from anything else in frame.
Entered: 4:22
